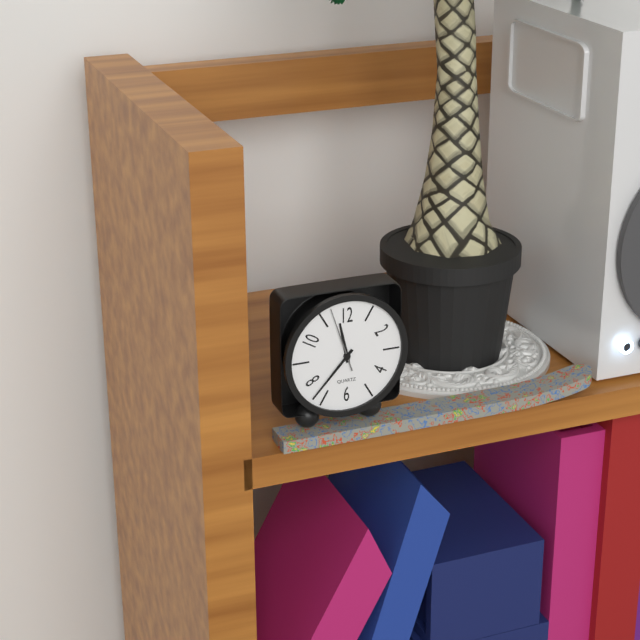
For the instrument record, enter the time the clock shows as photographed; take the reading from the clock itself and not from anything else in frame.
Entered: 11:37:57
